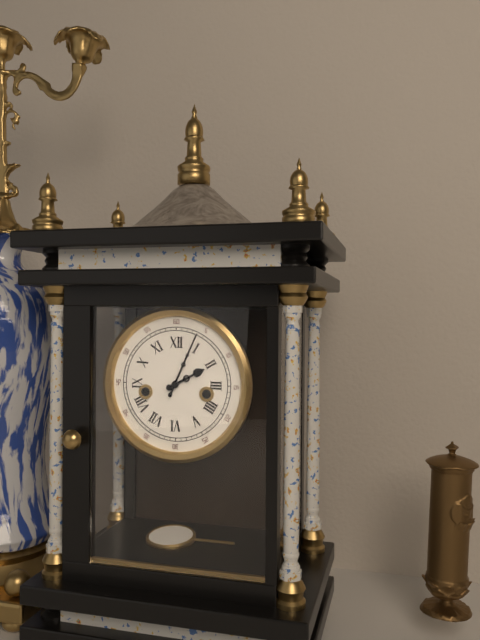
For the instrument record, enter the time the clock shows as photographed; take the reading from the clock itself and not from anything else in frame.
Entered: 2:04
